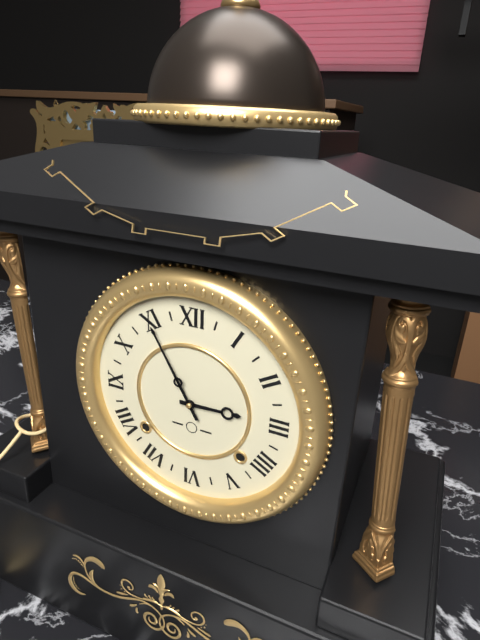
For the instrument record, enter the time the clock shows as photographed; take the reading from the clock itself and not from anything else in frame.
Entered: 2:55
